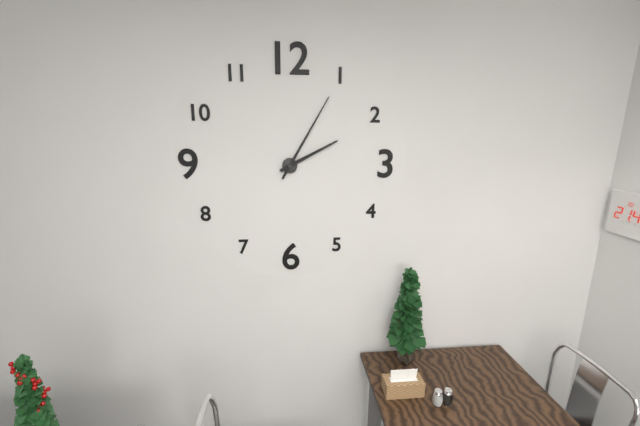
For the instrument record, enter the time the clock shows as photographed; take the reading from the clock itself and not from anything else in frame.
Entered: 2:05
